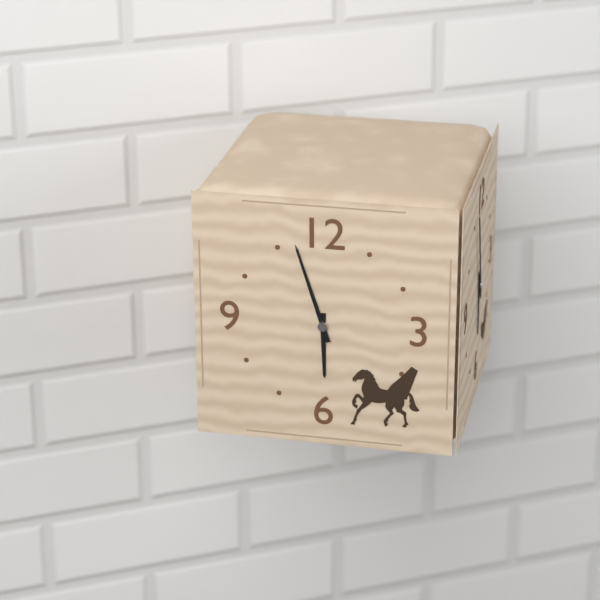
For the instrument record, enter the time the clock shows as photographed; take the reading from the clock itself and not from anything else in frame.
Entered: 5:57
